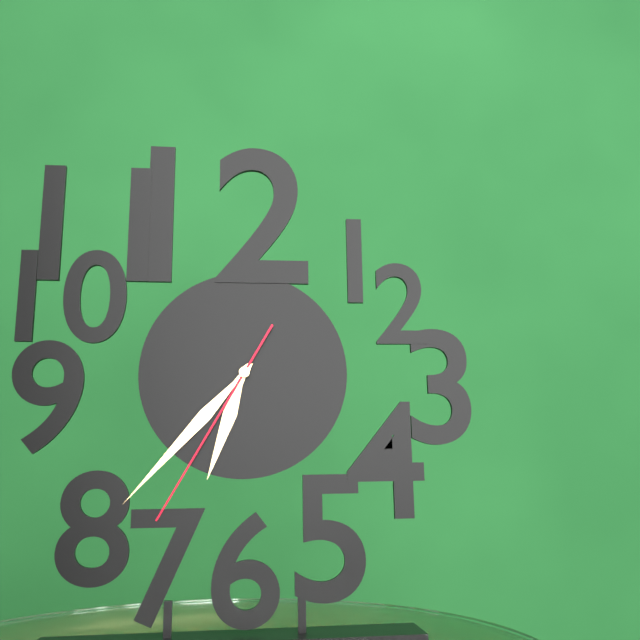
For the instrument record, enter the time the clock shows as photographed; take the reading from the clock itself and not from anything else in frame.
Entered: 6:37:35
